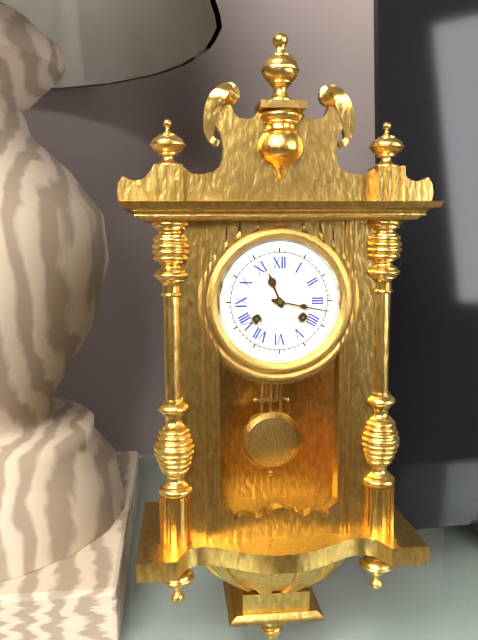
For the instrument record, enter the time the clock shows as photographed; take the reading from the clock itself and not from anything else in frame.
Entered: 11:17
